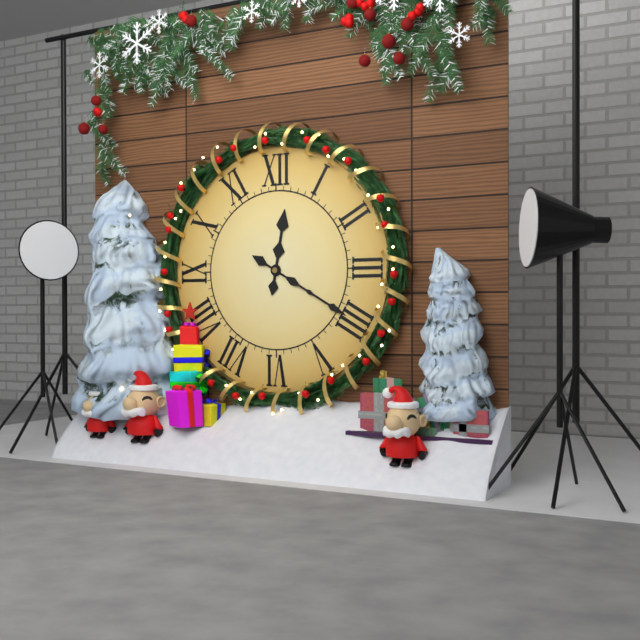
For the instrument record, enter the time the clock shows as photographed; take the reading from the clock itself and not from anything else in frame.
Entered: 12:20
